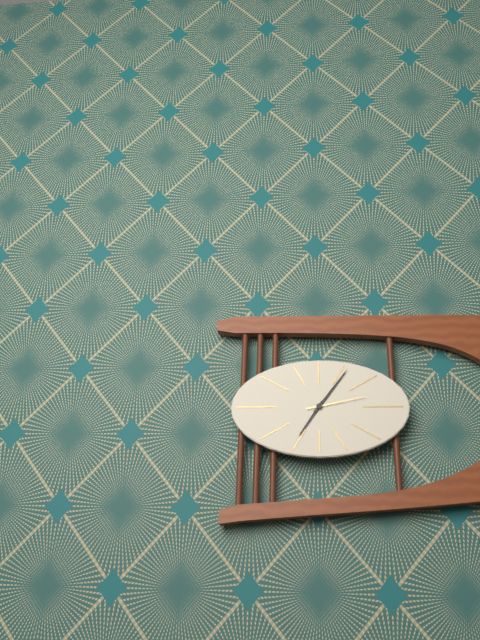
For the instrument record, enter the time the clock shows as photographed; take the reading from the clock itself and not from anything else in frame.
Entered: 7:06:13
